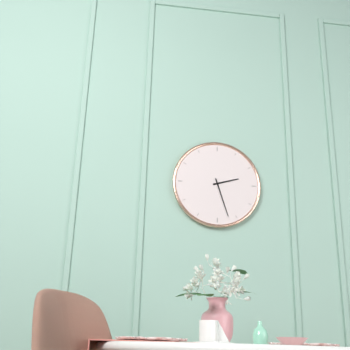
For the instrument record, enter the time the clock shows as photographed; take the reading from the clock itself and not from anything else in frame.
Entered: 2:27
